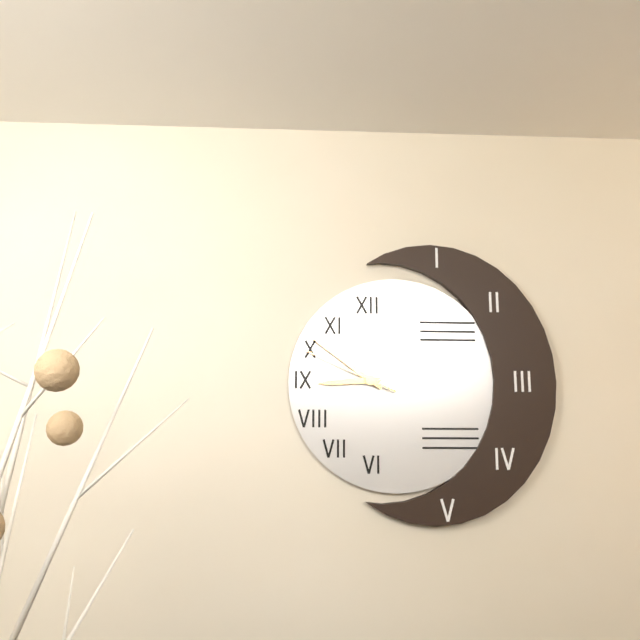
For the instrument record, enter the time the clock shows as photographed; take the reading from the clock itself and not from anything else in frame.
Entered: 8:51:49
